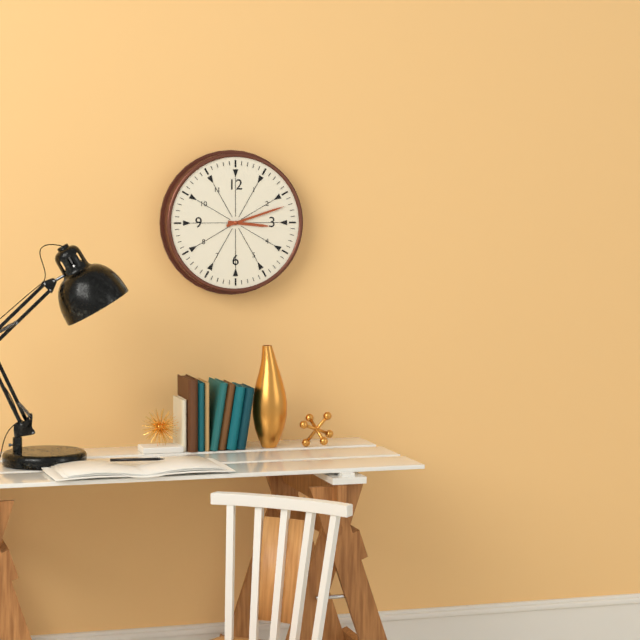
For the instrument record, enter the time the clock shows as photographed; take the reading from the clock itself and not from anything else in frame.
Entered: 3:12
